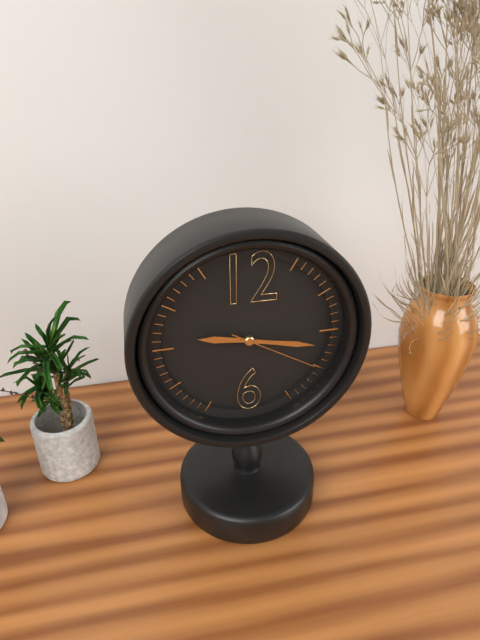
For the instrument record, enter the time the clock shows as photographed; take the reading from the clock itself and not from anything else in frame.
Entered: 9:17:20
